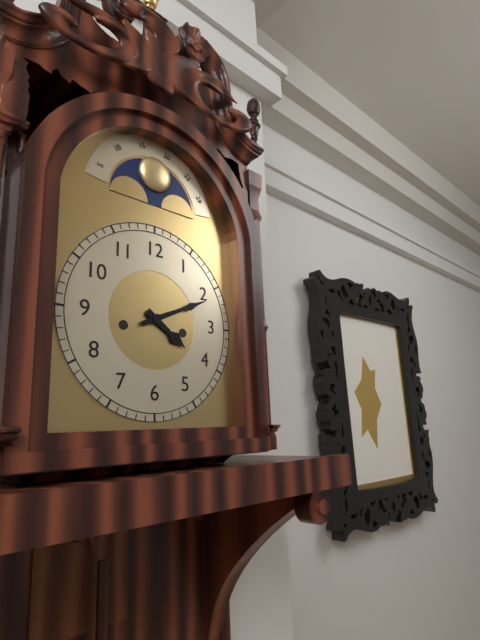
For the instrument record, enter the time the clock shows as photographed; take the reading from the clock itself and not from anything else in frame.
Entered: 4:11
